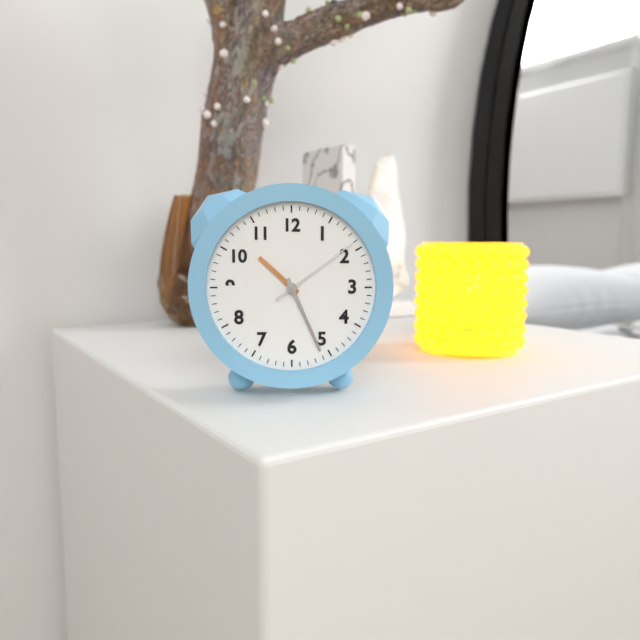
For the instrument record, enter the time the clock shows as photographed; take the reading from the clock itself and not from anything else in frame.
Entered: 10:26:09
